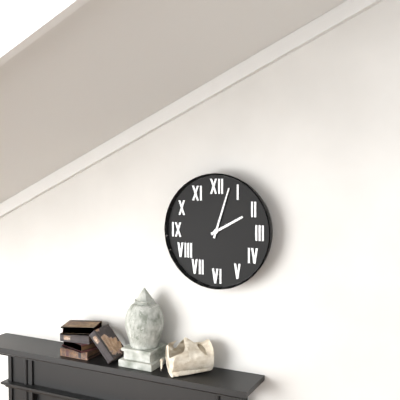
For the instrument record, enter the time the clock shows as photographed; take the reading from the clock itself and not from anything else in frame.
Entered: 2:03
